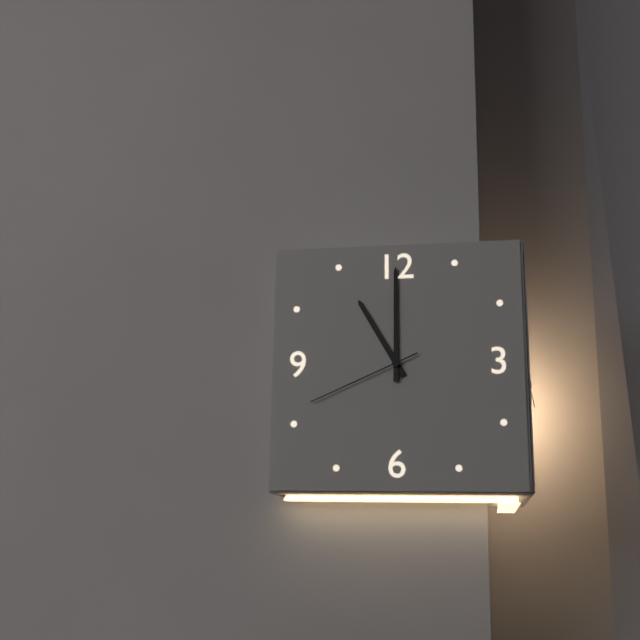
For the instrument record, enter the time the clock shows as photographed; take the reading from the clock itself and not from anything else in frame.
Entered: 11:00:41
